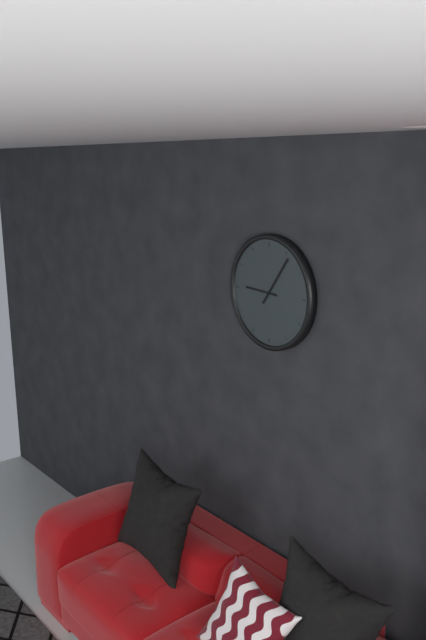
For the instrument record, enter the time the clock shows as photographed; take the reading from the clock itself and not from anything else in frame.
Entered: 9:06
